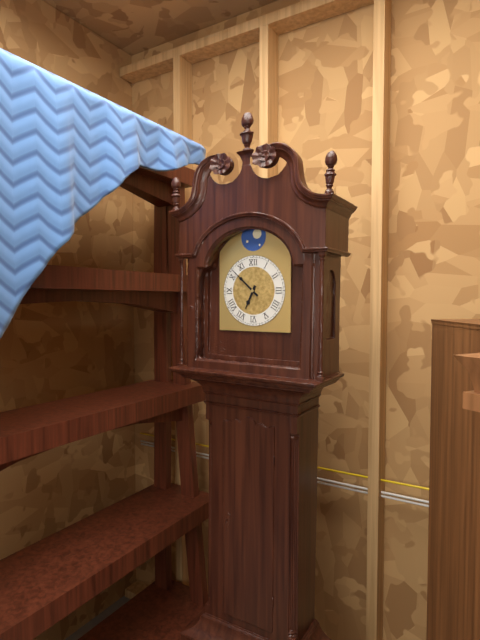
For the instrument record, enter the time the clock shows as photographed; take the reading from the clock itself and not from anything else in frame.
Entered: 6:52
